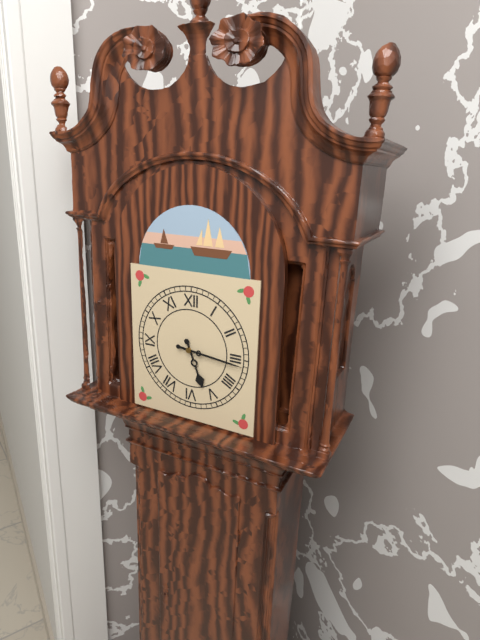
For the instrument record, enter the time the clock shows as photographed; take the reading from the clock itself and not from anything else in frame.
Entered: 5:16
